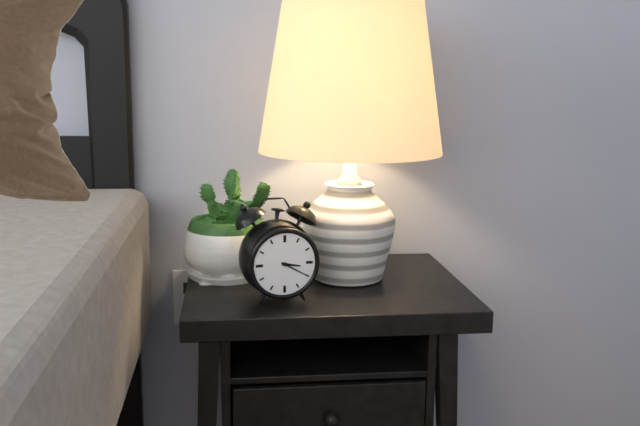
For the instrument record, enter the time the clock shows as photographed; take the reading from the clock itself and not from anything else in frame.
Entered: 3:20
